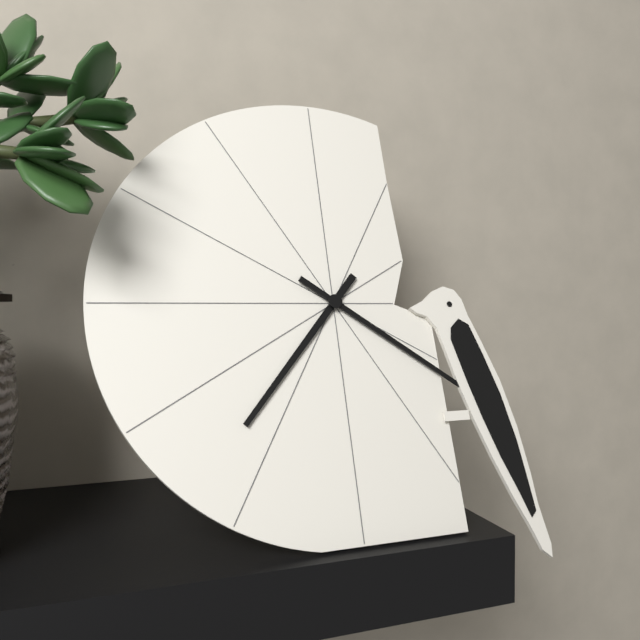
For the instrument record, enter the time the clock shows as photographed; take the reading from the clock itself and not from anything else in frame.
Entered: 7:21
